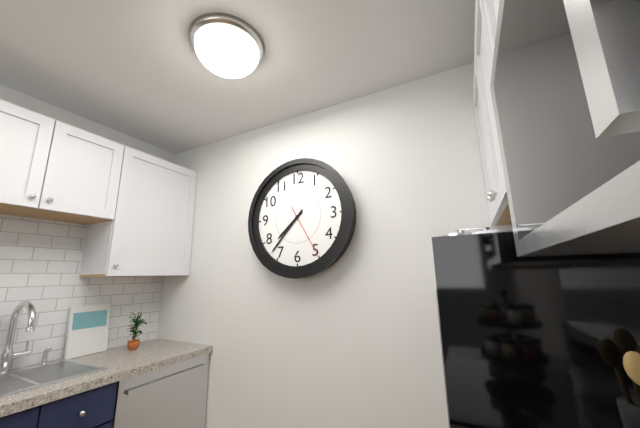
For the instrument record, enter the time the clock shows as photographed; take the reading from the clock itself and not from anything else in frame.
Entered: 7:37:25
